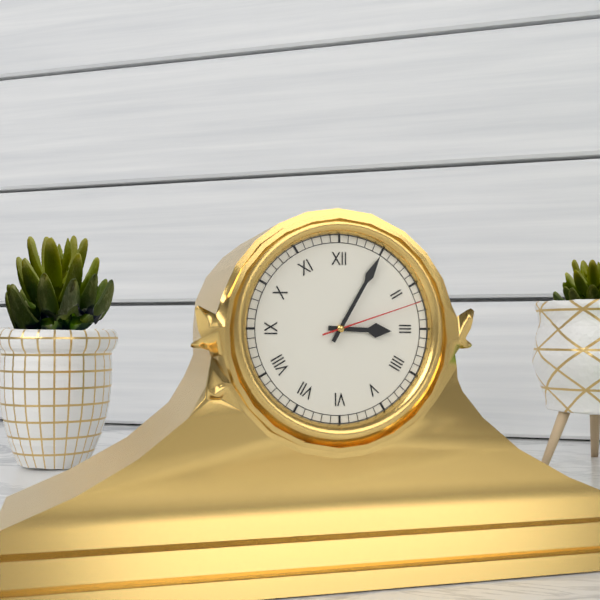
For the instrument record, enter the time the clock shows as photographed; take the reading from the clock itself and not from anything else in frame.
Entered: 3:05:12
